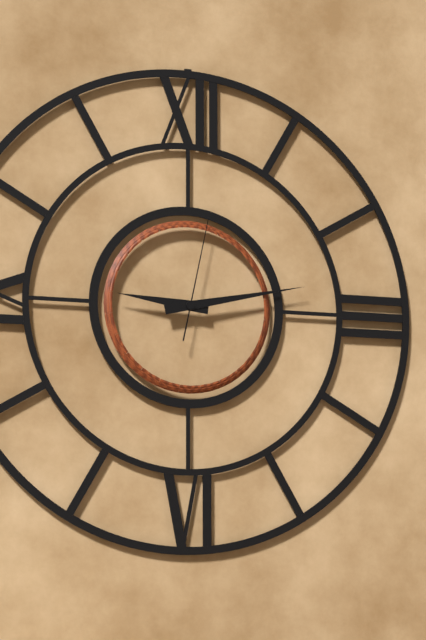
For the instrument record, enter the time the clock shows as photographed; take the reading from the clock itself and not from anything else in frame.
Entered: 9:13:02
